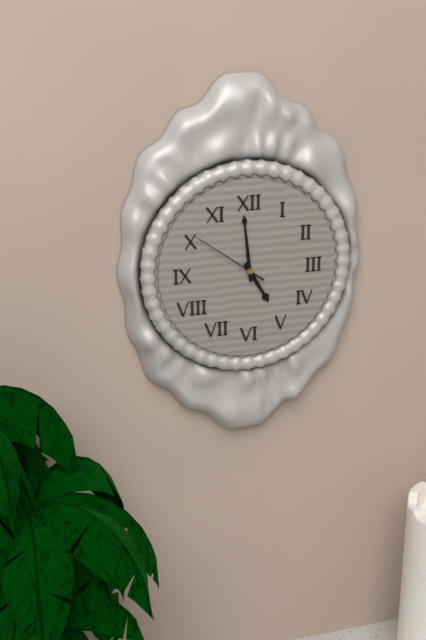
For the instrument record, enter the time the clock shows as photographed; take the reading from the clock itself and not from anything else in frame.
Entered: 4:59:51
